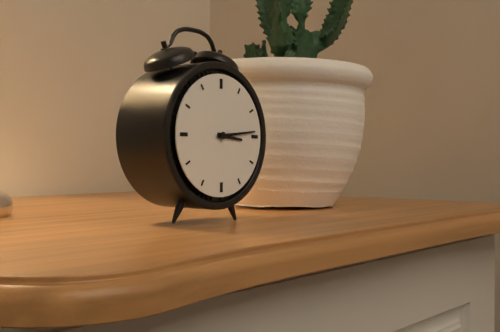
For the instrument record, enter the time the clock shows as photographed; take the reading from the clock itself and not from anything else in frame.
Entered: 3:14
